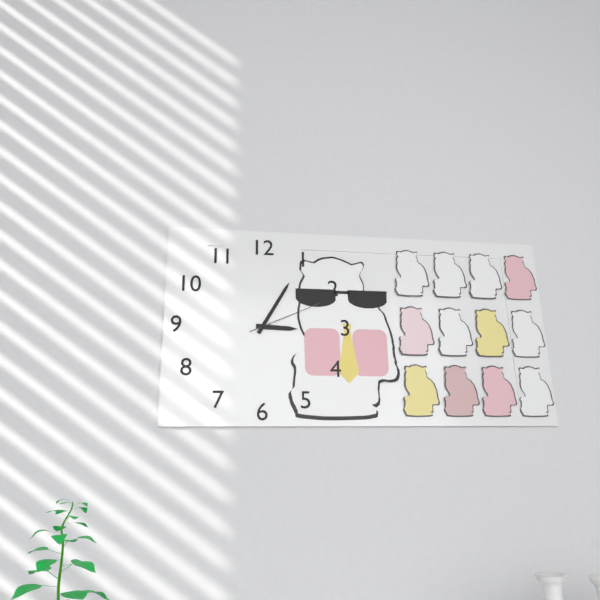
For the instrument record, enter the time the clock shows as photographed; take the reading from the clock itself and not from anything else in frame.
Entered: 3:05:11
